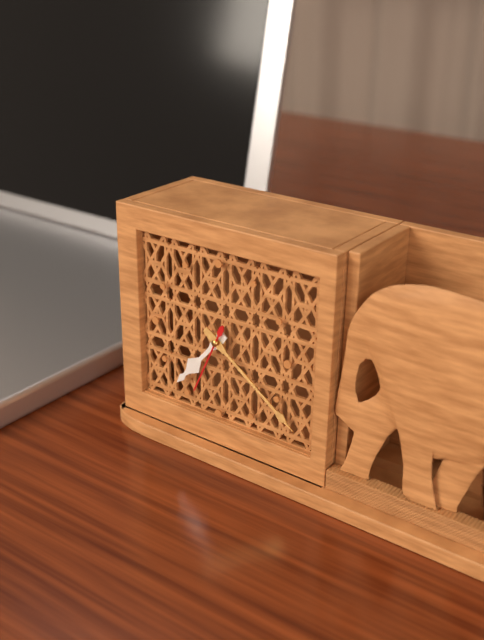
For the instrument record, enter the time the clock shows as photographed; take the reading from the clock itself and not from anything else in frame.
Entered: 7:21:34
